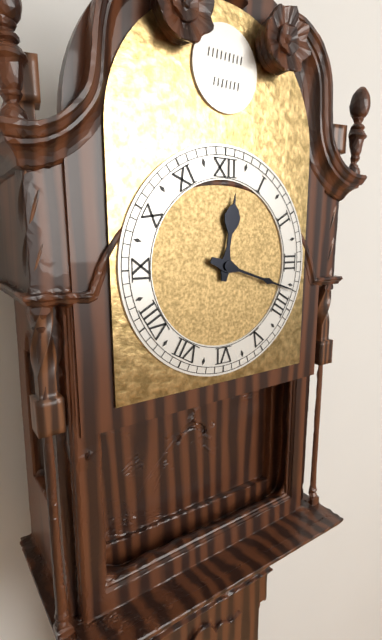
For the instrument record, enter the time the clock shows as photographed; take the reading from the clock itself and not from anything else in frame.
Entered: 12:18
